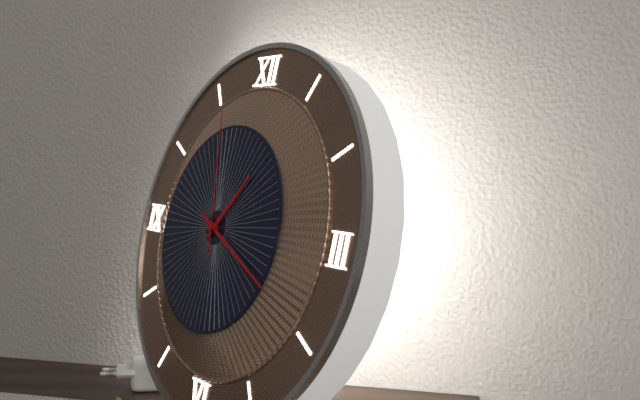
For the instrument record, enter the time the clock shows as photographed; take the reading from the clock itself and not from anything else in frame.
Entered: 1:19:58
